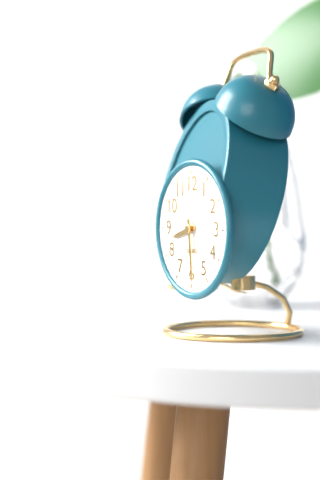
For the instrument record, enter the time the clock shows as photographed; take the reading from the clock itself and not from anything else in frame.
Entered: 8:29
